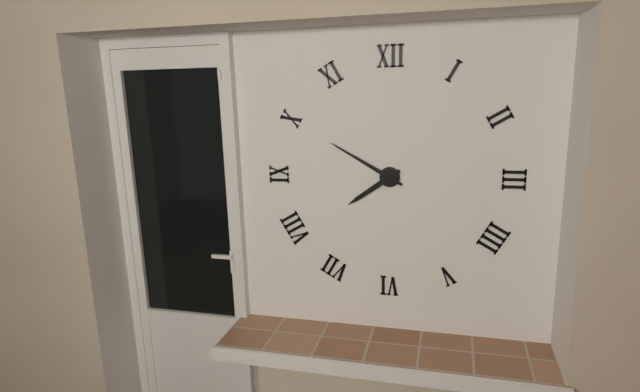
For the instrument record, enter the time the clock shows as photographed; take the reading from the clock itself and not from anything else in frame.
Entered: 7:50
